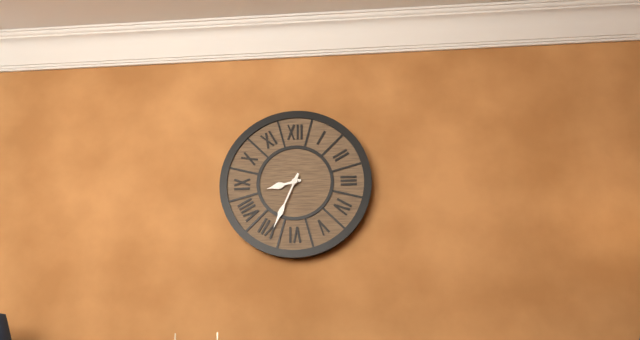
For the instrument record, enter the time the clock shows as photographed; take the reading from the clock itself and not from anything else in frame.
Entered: 8:34
